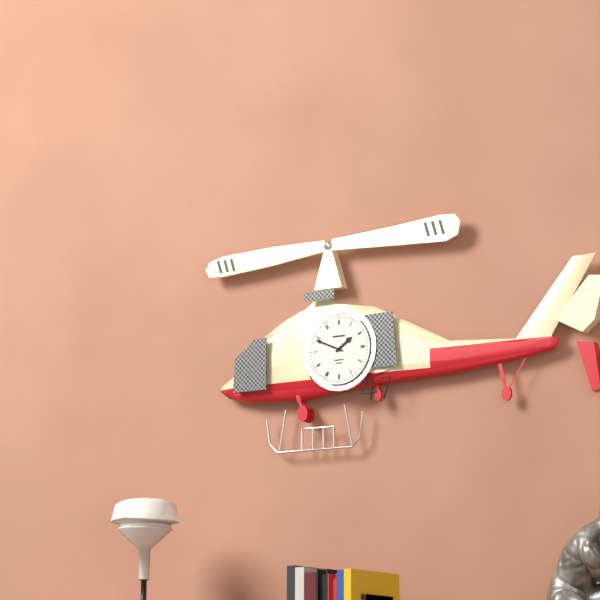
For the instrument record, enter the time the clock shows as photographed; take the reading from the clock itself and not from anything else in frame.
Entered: 1:49
